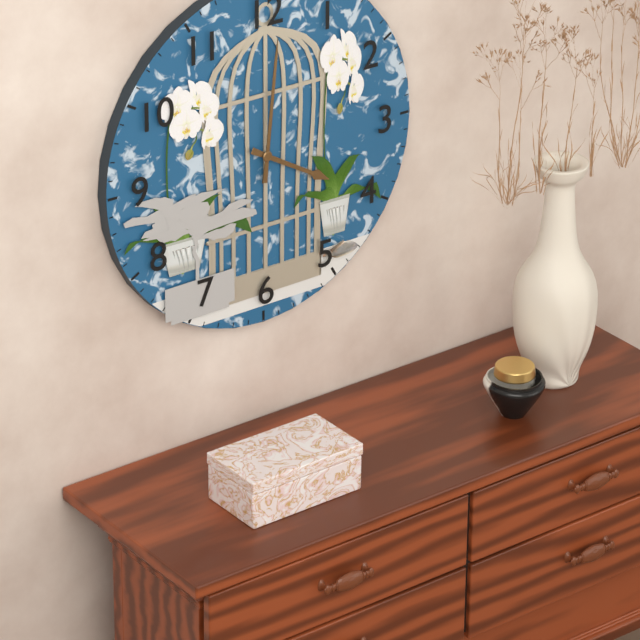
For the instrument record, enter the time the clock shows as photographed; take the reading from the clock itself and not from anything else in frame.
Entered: 4:01
